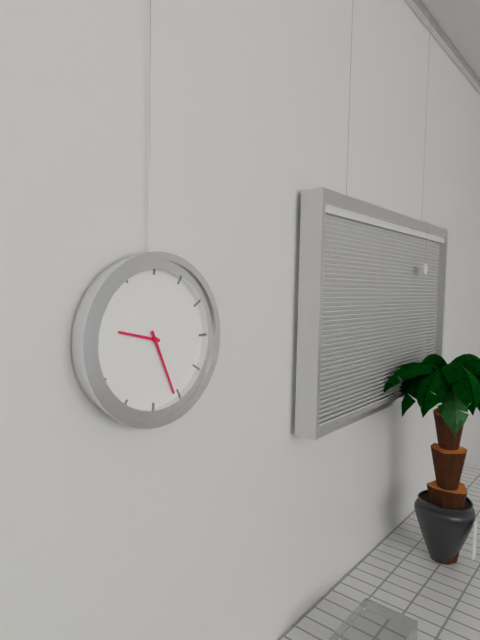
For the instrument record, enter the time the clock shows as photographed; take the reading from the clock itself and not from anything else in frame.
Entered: 9:26
